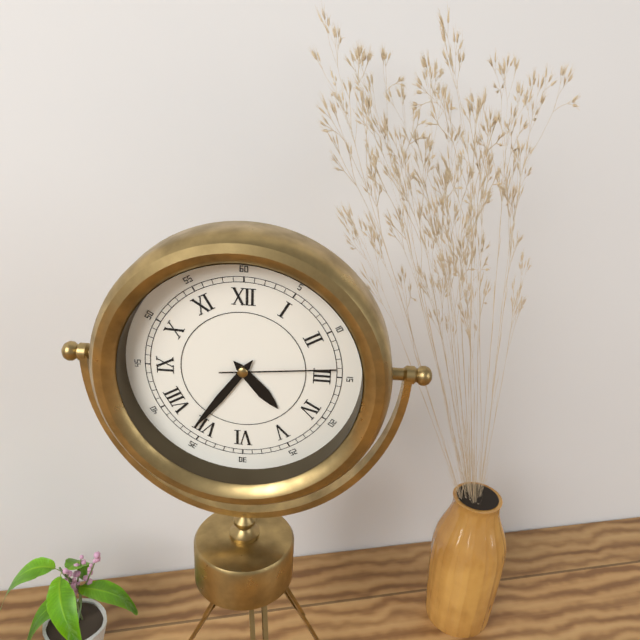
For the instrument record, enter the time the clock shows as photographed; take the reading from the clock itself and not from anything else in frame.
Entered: 4:36:14
